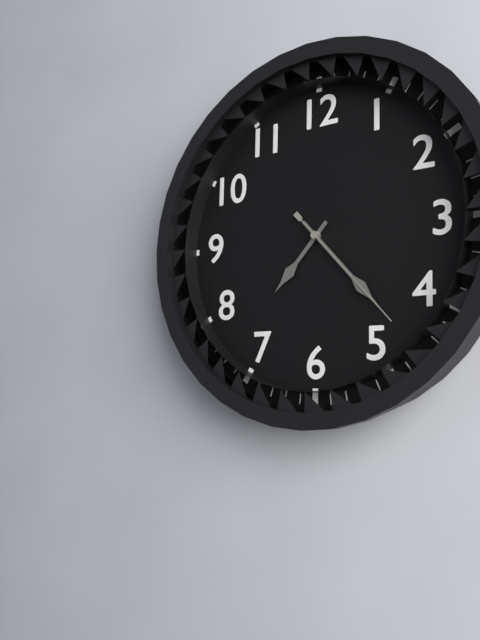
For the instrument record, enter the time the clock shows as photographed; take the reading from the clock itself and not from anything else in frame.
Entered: 7:23:23
